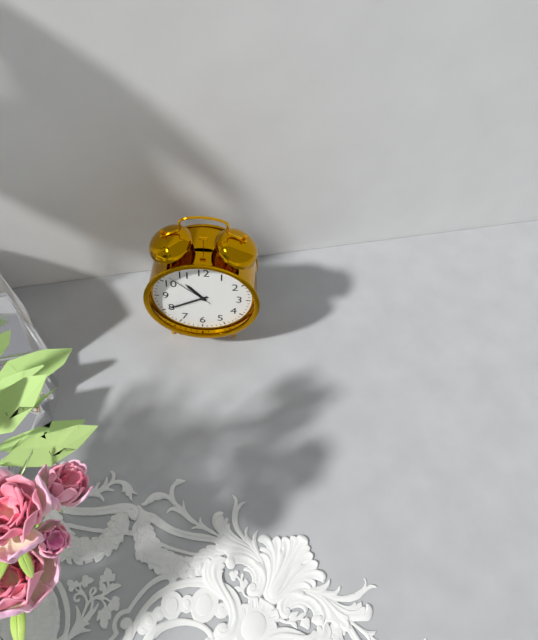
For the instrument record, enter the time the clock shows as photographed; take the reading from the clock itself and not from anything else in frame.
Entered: 10:40:52
